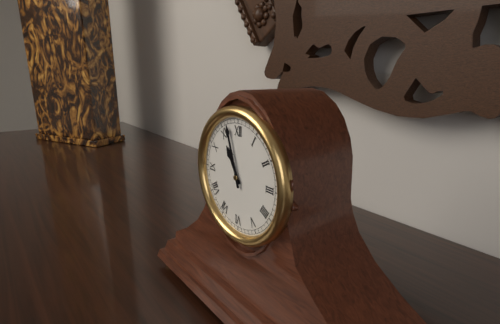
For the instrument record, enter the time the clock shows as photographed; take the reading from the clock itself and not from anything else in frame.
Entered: 10:57
